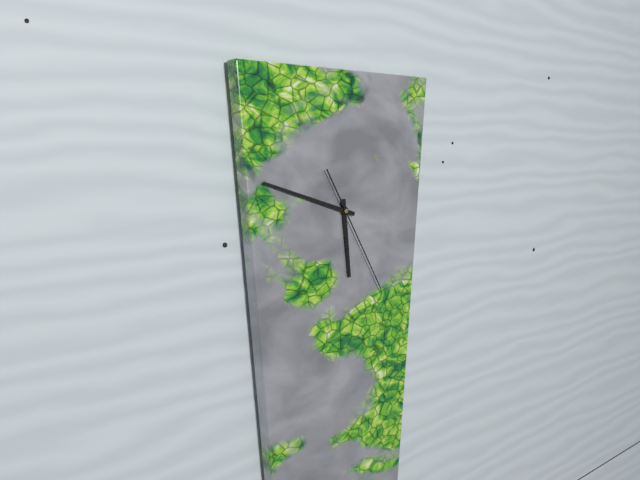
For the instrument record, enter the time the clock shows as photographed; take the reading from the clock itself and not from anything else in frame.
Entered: 5:48:25
